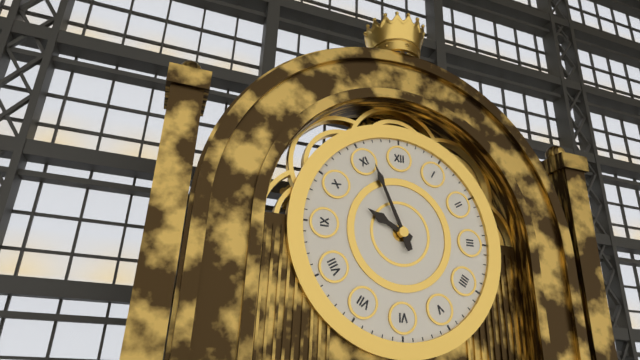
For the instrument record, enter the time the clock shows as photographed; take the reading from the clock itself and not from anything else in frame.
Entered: 9:56
